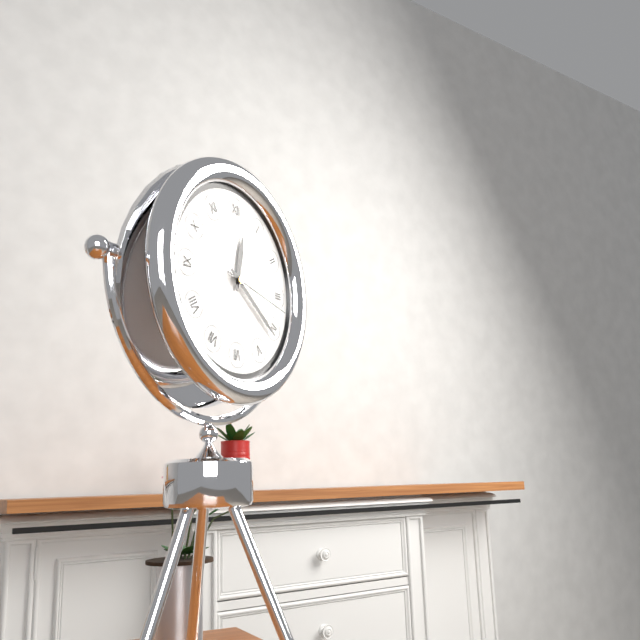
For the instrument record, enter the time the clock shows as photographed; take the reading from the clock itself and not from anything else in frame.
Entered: 12:21:17
